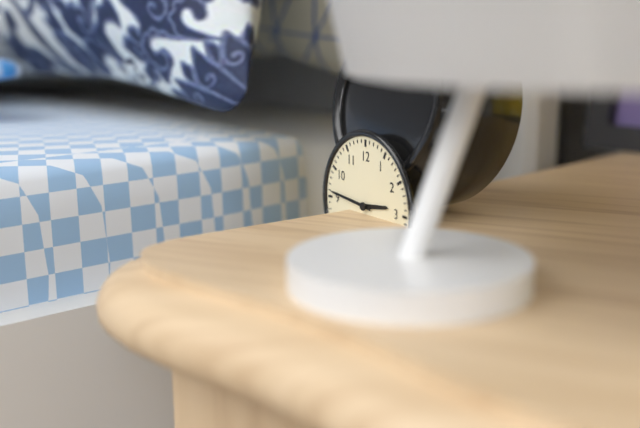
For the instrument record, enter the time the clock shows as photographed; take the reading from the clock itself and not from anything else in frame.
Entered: 2:46
